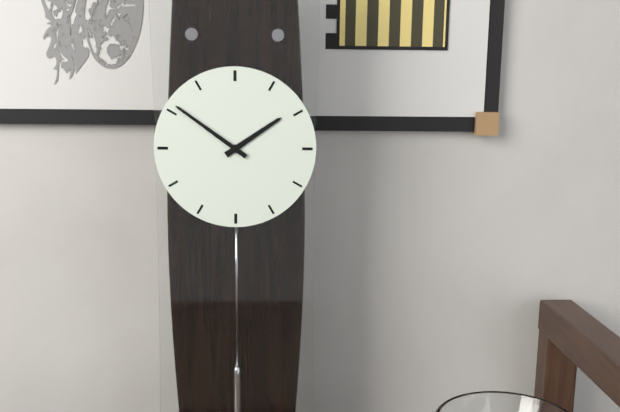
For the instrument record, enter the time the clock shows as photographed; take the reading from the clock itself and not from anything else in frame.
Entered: 1:51
